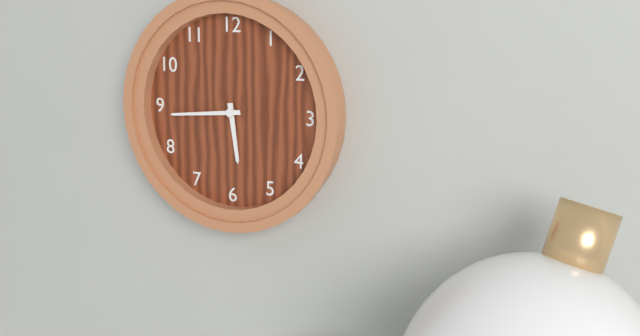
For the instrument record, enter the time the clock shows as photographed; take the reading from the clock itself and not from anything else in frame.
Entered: 5:44
